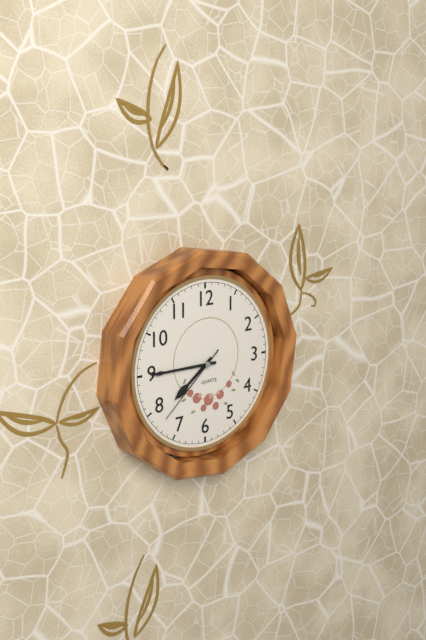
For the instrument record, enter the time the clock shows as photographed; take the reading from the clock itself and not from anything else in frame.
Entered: 7:45:38
